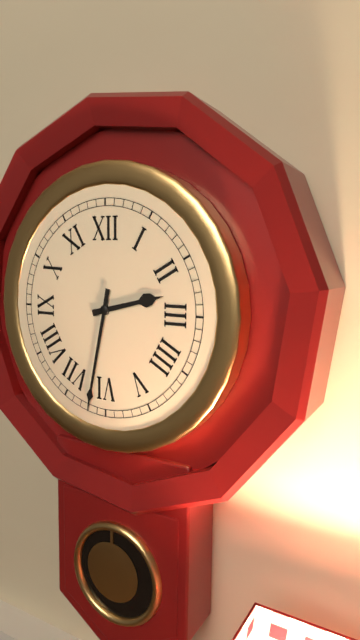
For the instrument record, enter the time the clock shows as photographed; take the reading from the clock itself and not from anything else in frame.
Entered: 2:32
